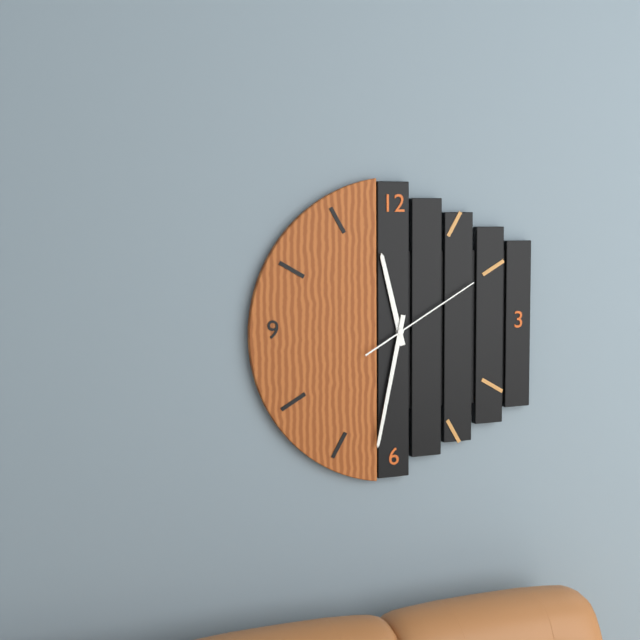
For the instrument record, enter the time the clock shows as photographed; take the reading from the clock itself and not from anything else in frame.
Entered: 11:32:10
